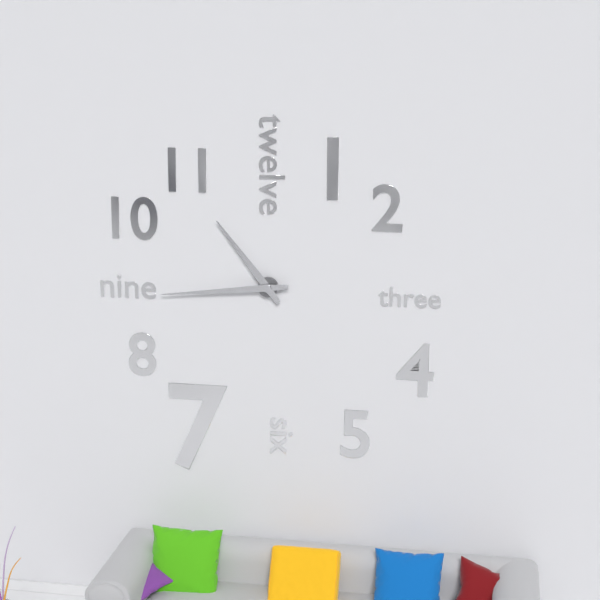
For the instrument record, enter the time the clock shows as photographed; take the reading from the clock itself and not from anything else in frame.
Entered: 10:44
